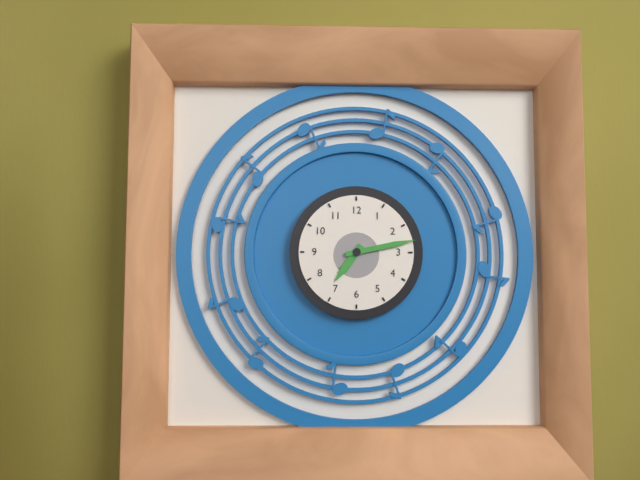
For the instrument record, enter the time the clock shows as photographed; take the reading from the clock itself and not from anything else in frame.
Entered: 7:13
